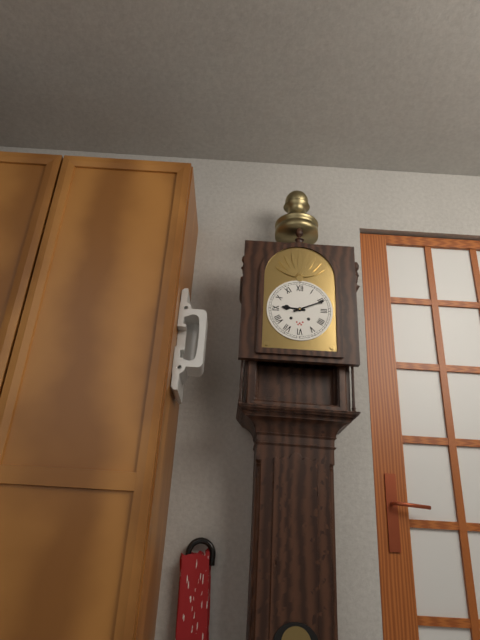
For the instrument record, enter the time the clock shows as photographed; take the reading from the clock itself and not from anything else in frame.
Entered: 9:11
